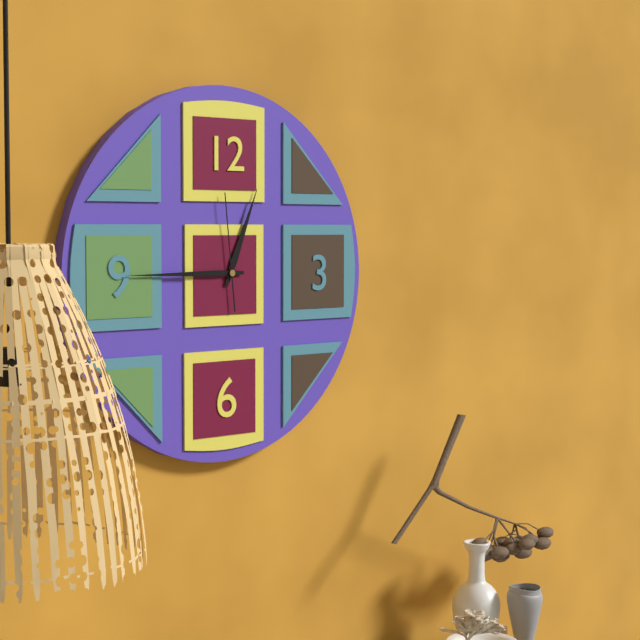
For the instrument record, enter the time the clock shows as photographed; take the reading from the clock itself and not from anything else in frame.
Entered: 12:45:59
